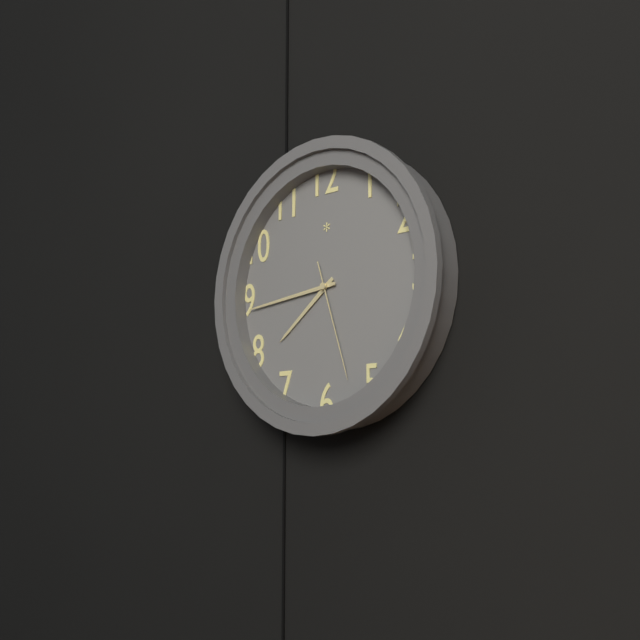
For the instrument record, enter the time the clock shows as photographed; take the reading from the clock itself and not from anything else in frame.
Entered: 7:44:27
